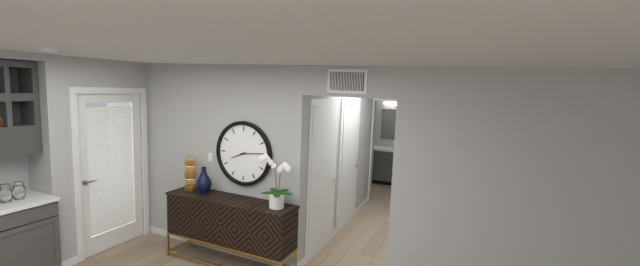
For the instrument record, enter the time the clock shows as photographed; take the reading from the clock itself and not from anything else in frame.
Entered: 8:14
